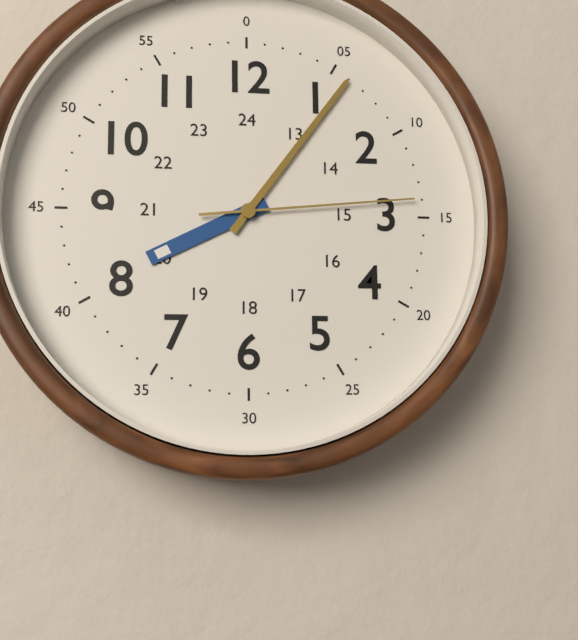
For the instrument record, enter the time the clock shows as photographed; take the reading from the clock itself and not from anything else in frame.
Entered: 8:06:14
